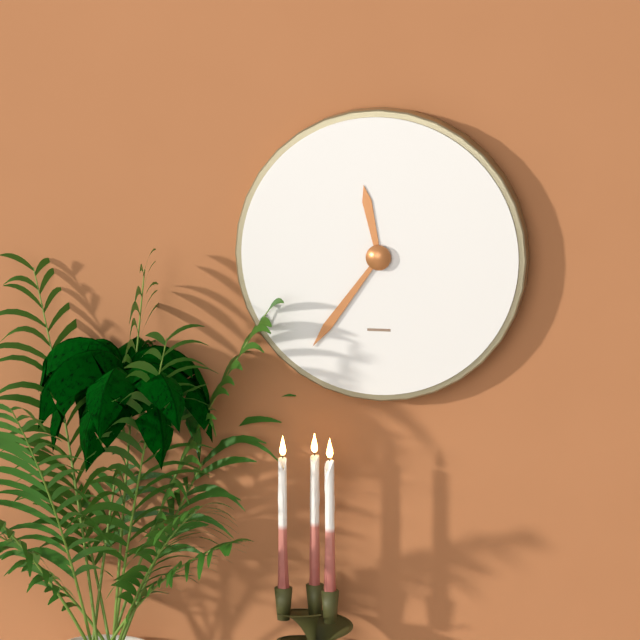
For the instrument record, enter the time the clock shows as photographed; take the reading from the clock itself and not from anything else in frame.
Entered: 11:36
